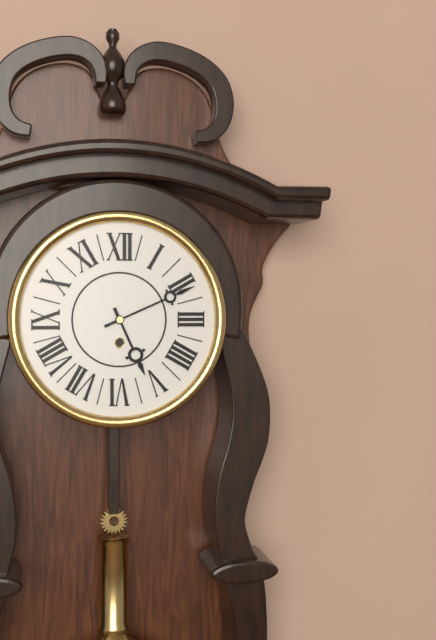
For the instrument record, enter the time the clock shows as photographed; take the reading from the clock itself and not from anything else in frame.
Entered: 5:11
